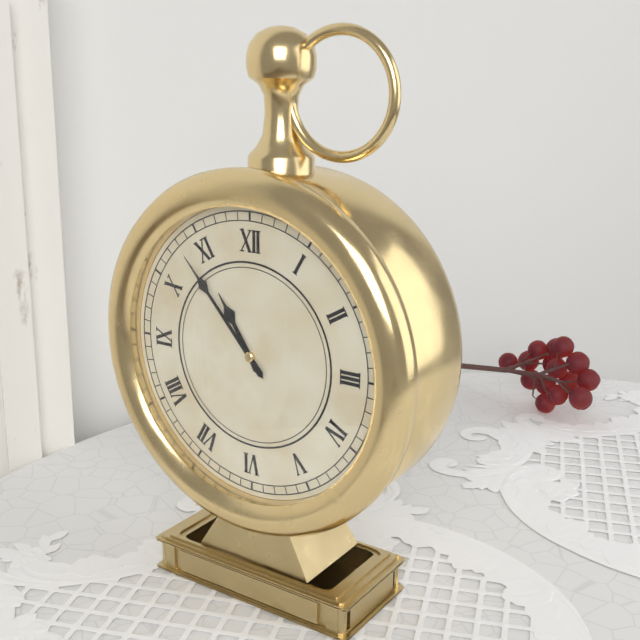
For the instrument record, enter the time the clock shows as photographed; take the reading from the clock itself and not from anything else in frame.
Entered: 10:53
